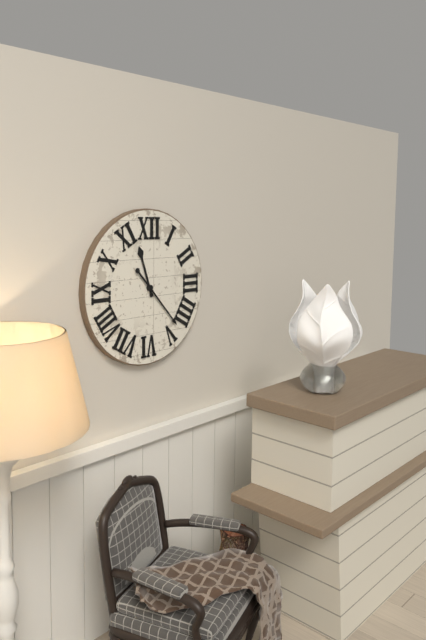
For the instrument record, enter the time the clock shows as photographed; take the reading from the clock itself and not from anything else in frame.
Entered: 11:23
